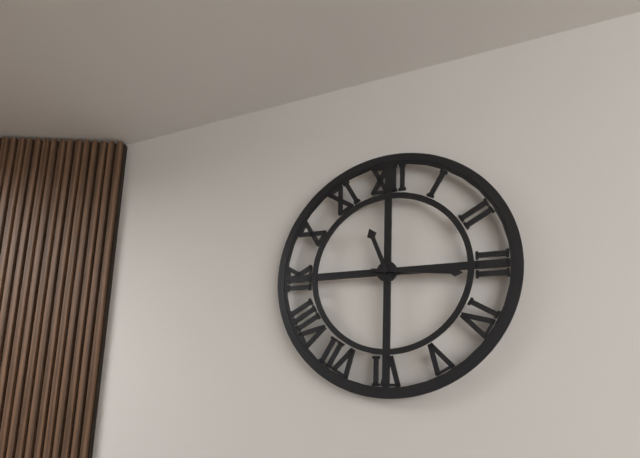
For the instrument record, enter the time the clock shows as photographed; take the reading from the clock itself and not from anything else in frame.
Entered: 11:16
